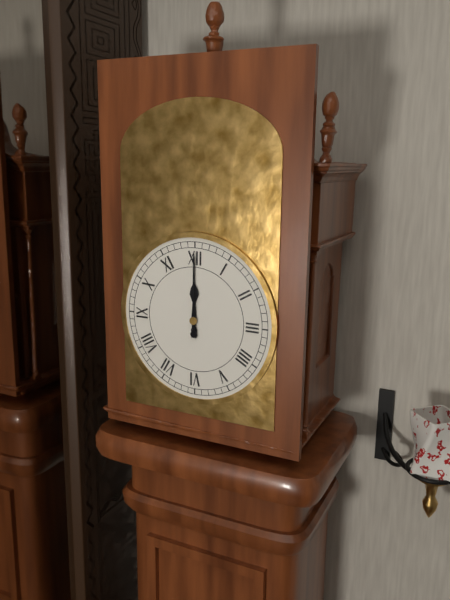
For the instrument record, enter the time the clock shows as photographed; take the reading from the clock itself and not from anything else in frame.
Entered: 12:00
